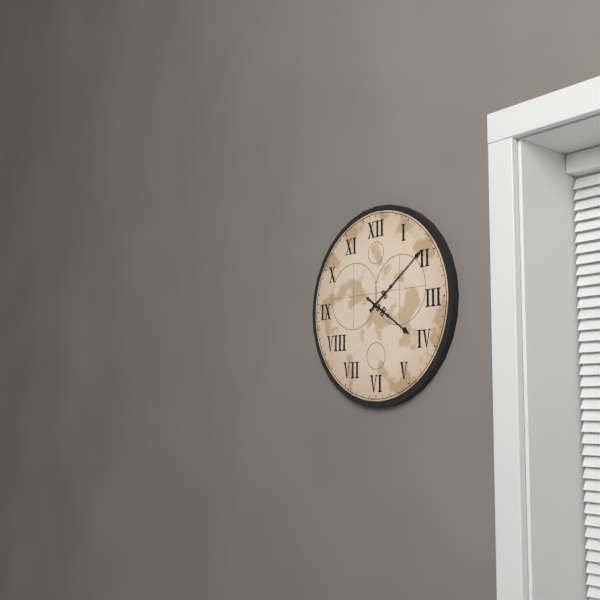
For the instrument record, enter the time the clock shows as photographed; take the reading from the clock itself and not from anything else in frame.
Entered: 4:09
